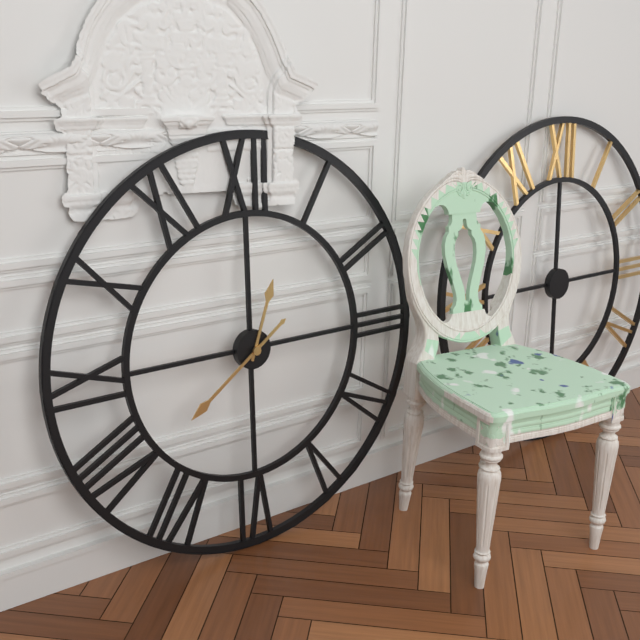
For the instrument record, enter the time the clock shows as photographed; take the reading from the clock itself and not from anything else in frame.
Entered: 12:39
